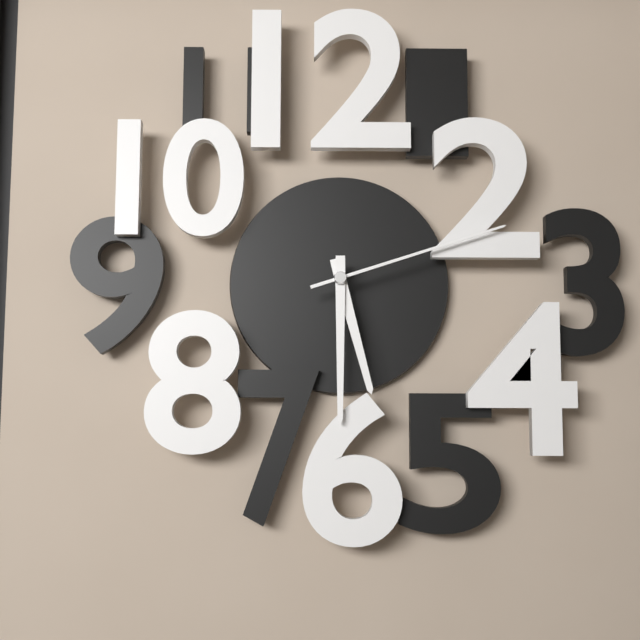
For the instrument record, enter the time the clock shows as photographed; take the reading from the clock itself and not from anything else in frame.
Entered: 5:30:12
